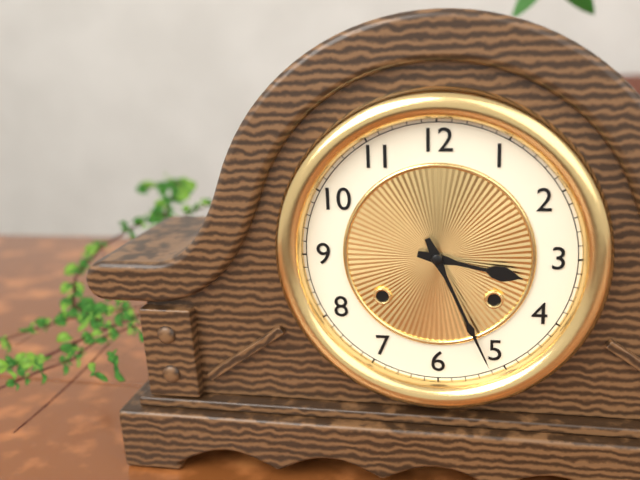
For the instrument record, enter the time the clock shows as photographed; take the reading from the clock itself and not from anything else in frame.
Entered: 3:26
